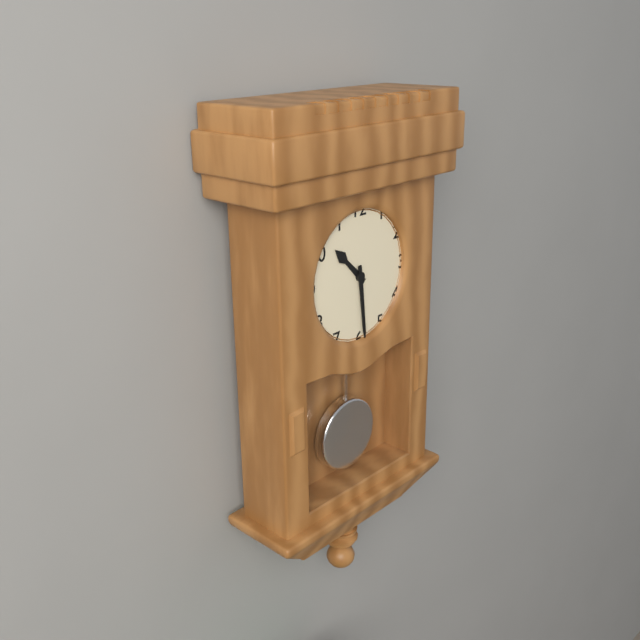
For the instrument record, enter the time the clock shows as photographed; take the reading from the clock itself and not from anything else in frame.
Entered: 10:29
